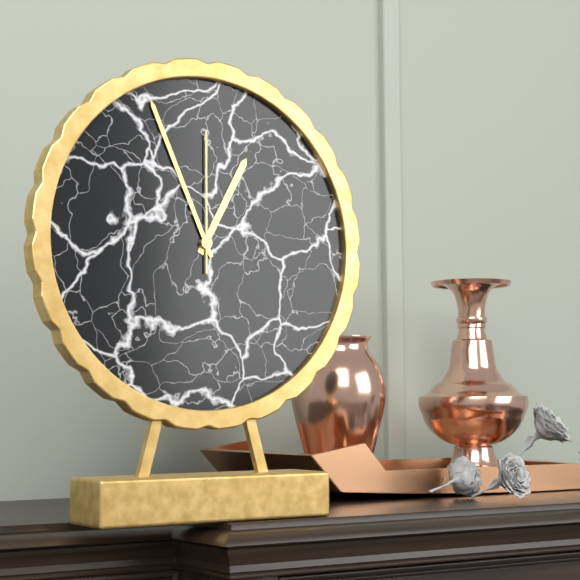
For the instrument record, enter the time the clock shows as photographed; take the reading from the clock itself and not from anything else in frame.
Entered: 12:56:00
